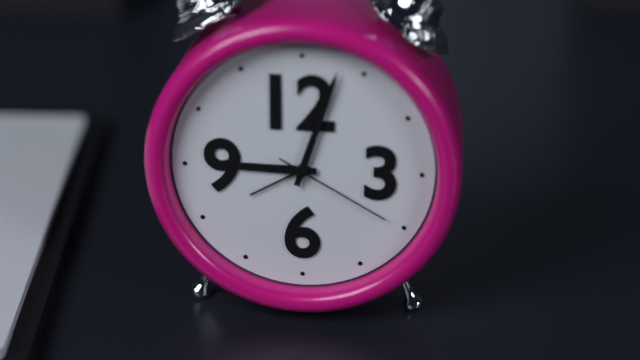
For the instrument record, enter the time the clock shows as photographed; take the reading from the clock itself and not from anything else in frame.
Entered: 9:03:20
